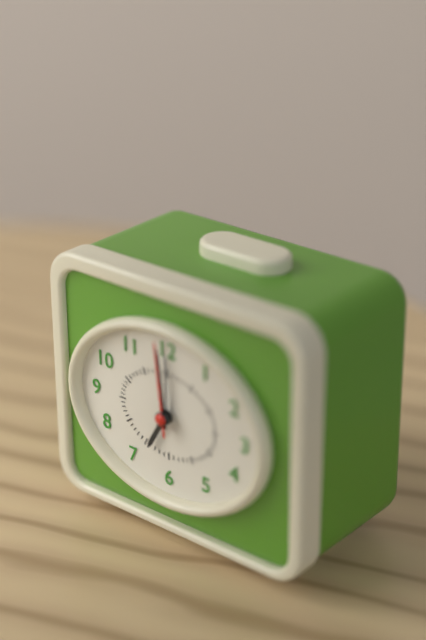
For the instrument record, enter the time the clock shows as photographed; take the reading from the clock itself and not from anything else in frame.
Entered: 6:59:59
